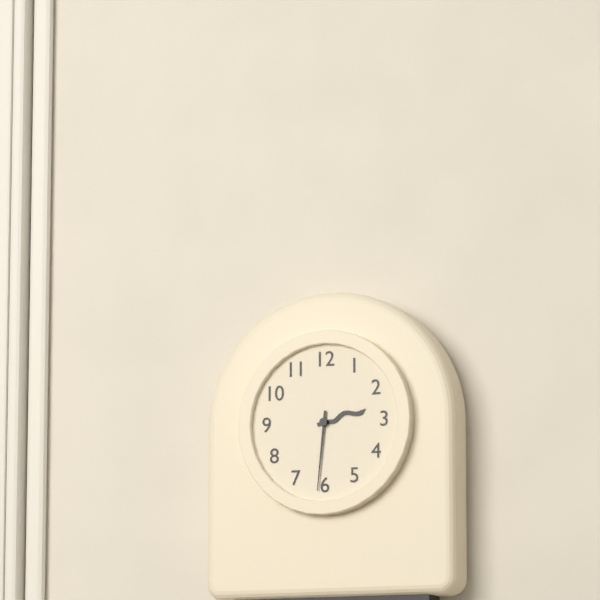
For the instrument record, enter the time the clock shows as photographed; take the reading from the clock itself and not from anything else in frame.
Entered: 2:31
